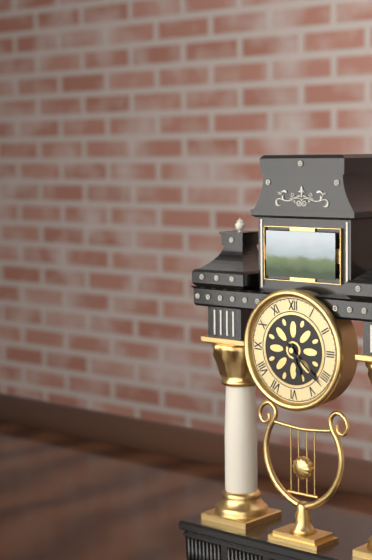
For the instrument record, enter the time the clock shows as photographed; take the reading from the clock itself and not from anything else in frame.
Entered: 5:22
